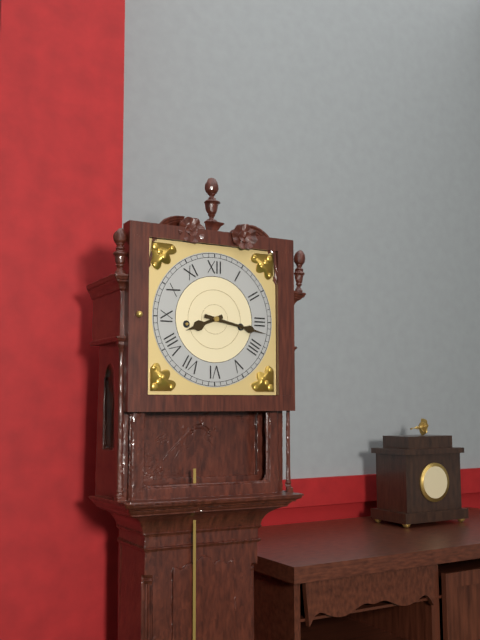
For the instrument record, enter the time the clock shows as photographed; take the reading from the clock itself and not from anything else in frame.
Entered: 8:17
